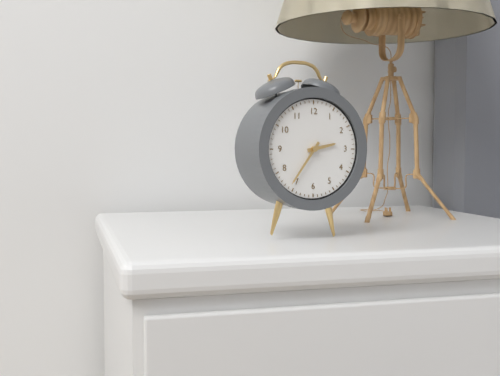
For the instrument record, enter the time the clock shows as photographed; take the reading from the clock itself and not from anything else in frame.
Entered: 2:36
